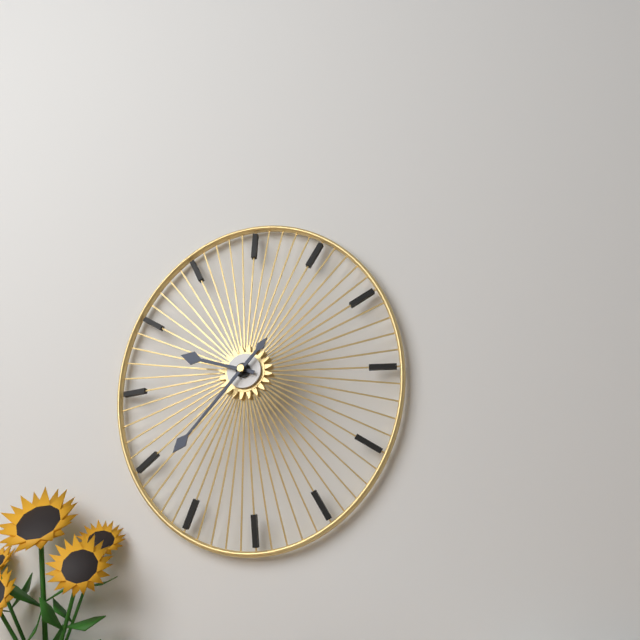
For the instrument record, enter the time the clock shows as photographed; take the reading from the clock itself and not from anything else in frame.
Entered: 9:37
